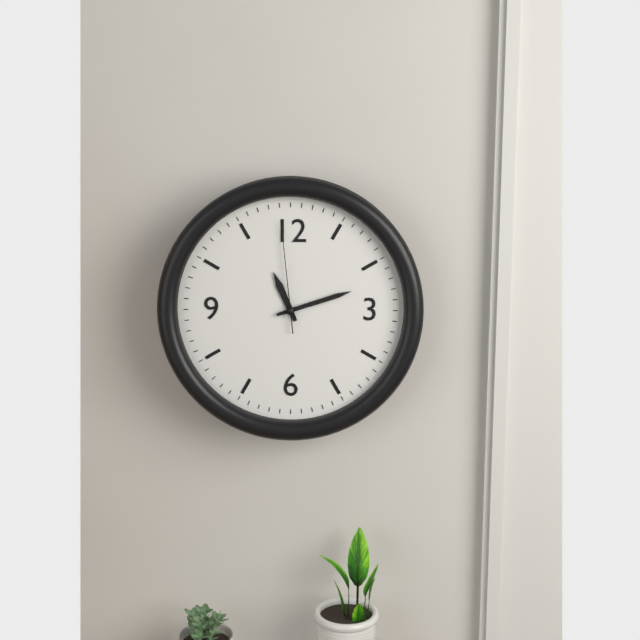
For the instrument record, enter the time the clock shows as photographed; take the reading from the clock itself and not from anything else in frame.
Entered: 11:12:59
